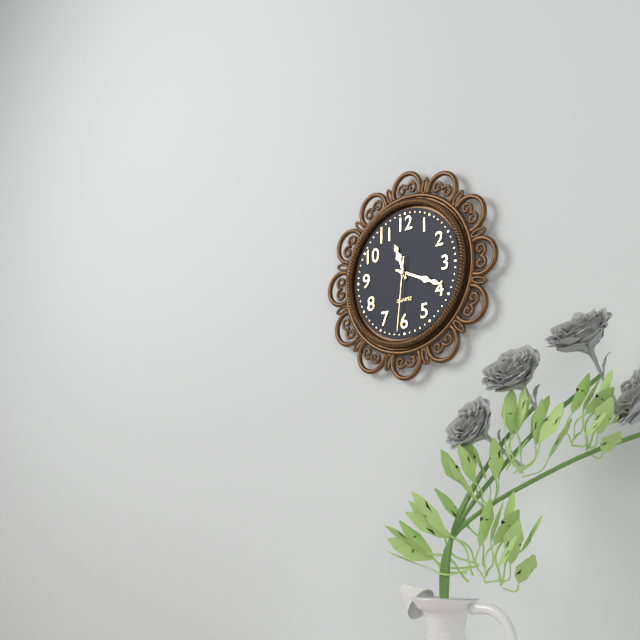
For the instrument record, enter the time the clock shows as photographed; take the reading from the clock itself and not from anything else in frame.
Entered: 11:19:31
